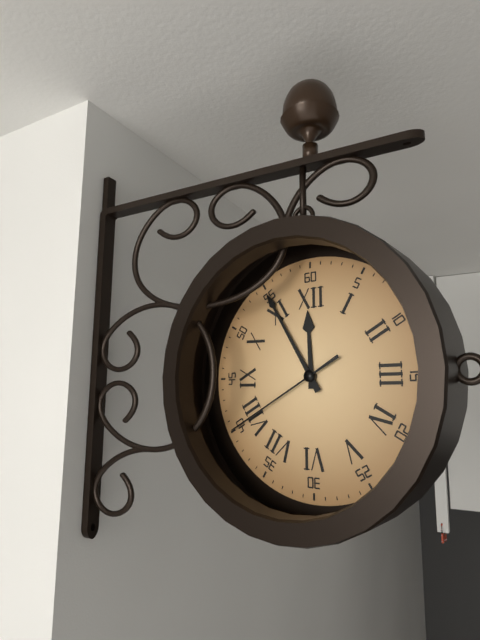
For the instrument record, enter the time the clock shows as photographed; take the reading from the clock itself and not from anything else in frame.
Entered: 11:55:40
